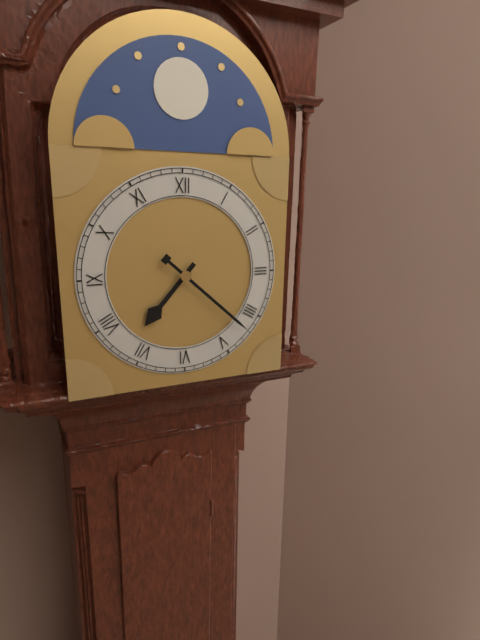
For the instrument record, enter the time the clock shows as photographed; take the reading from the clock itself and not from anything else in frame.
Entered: 7:22
